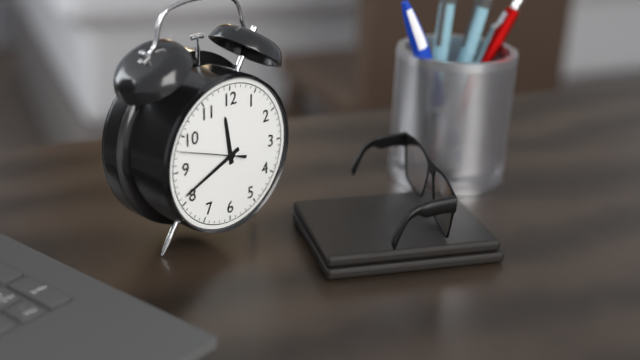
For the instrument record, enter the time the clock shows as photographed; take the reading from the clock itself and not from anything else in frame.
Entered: 11:41:48
